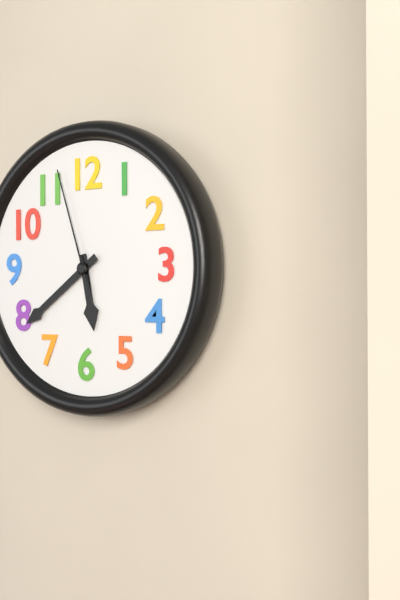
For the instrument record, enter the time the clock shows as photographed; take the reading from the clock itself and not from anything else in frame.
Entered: 5:39:57
